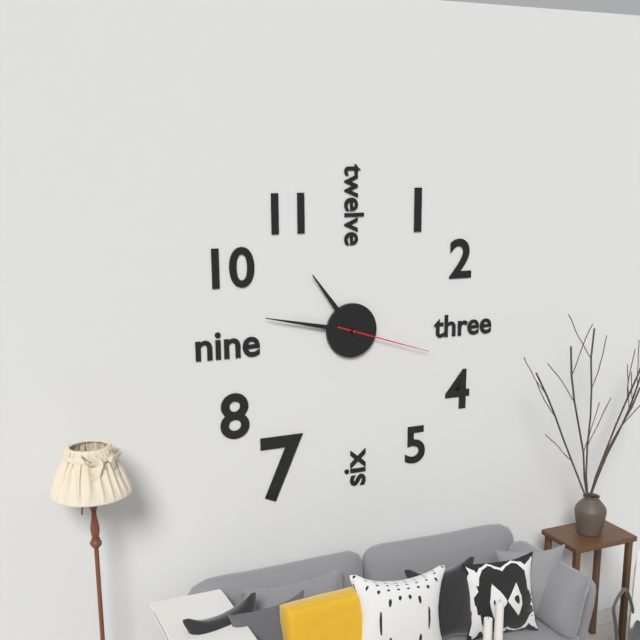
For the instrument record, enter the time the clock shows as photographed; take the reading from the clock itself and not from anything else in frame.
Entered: 10:47:18
